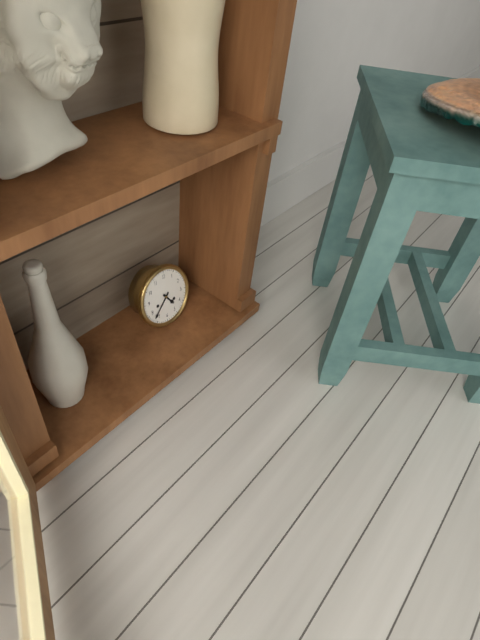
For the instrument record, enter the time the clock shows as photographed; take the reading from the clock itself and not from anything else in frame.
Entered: 4:37
